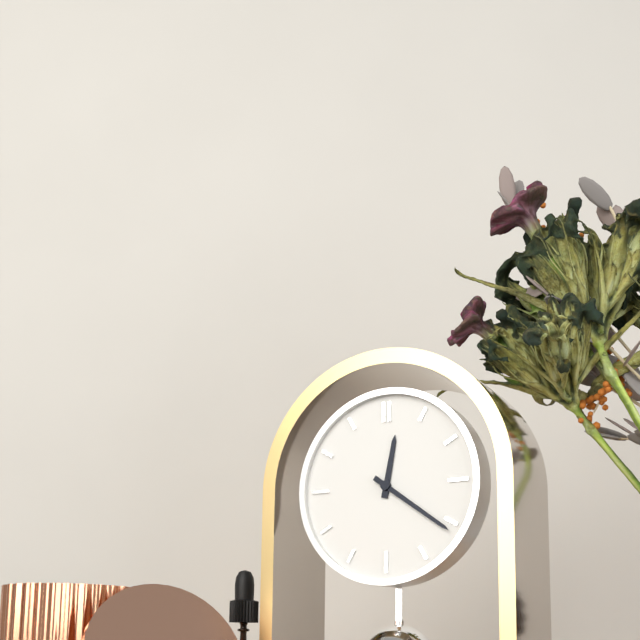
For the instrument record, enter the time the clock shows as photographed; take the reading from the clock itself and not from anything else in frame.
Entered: 12:21
